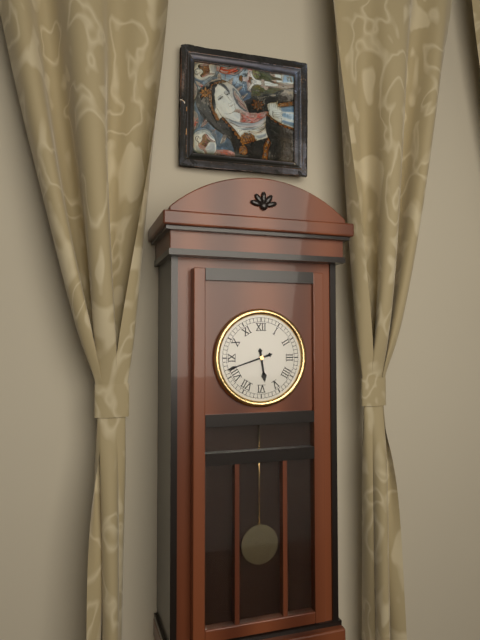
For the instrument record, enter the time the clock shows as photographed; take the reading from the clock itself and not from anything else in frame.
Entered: 5:42
